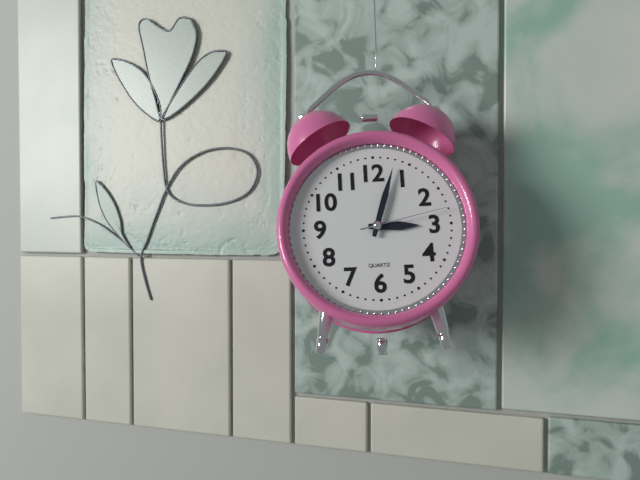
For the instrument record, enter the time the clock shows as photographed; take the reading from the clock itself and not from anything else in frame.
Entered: 3:03:13
